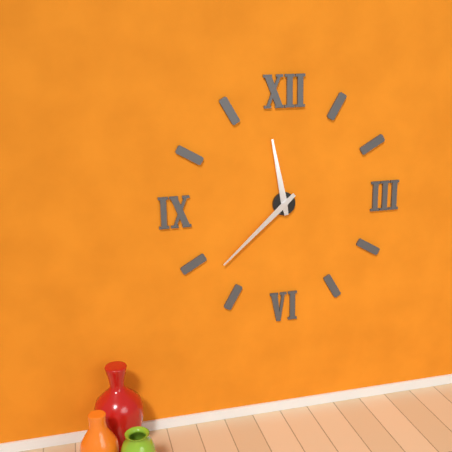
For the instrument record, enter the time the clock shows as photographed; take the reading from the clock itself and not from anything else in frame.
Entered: 11:38
